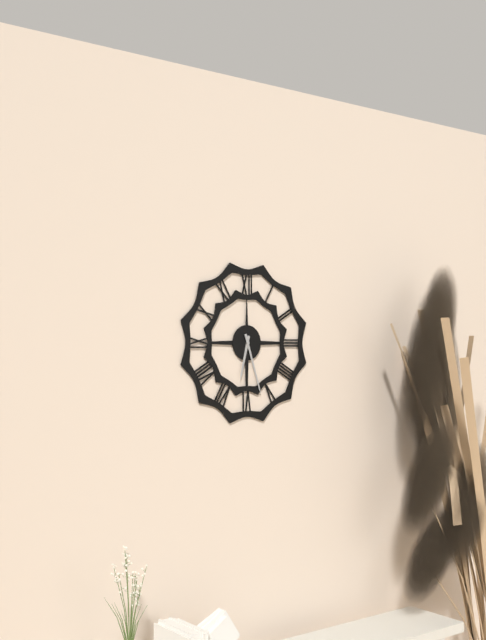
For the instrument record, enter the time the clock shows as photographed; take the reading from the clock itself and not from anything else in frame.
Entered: 6:27
